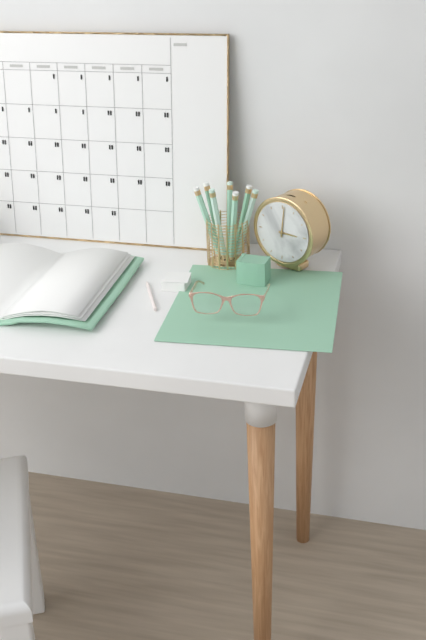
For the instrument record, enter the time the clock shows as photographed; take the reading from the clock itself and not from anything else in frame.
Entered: 3:01
